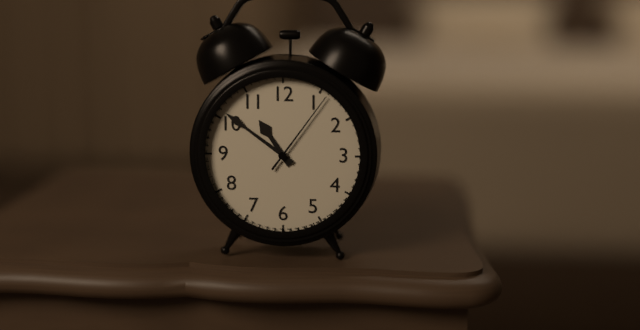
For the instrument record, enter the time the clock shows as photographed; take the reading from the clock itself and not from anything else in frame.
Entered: 10:51:06
